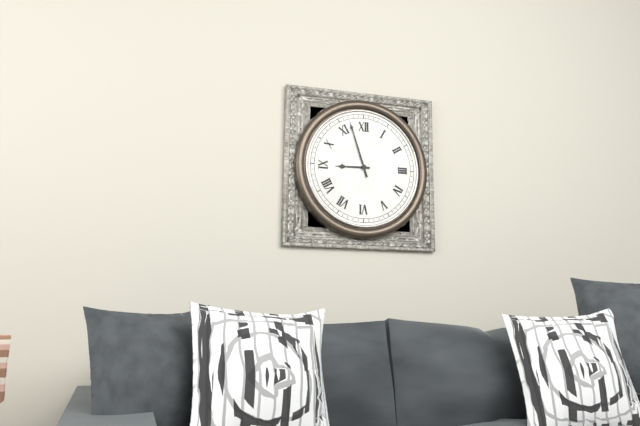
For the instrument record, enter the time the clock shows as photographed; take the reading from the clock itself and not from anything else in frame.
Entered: 8:57
